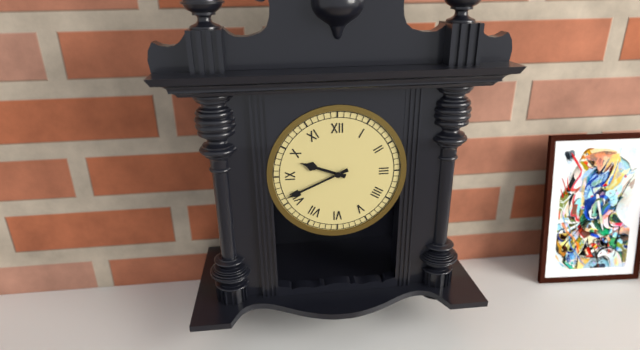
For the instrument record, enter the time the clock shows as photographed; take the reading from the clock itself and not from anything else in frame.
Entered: 9:41
